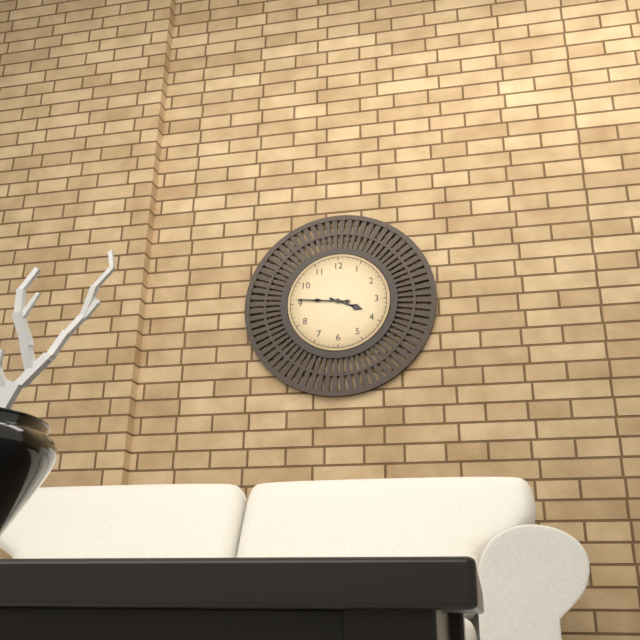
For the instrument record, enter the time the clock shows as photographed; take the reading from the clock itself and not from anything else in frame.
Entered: 3:46
